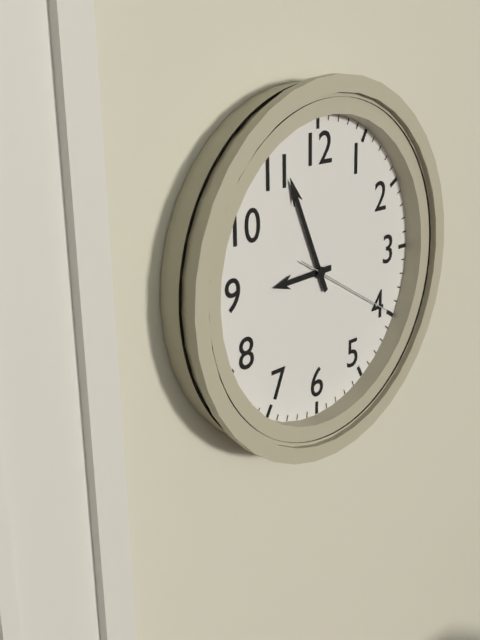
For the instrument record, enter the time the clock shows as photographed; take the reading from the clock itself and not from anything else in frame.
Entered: 8:56:20
